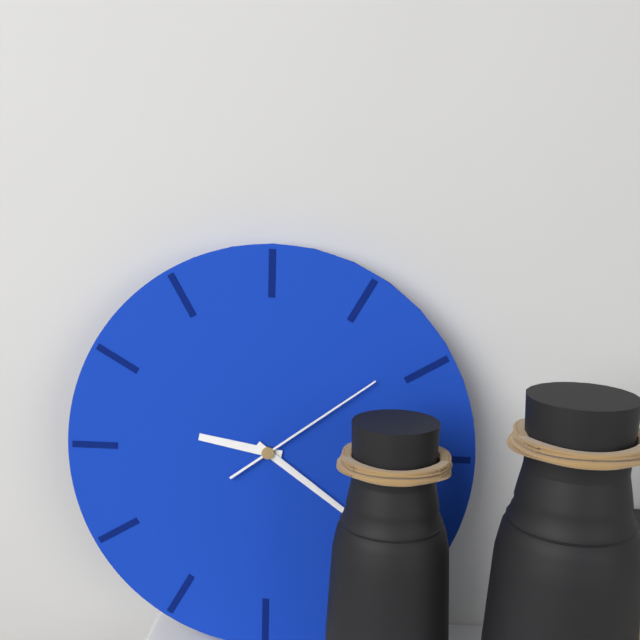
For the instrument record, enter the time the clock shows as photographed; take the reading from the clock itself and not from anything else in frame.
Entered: 9:21:09
